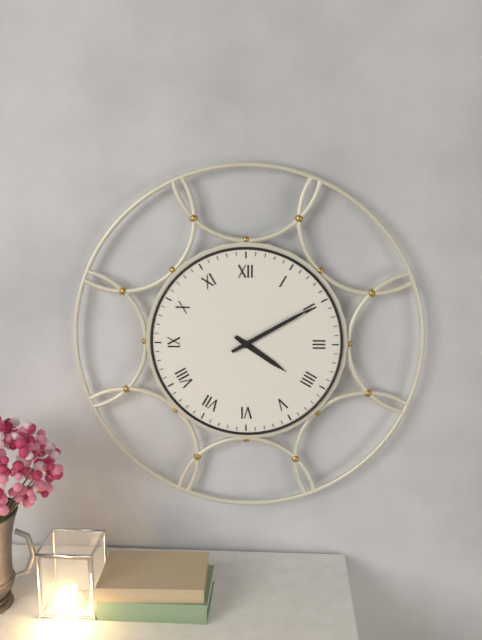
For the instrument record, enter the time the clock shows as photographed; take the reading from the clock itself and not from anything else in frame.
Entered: 4:10
